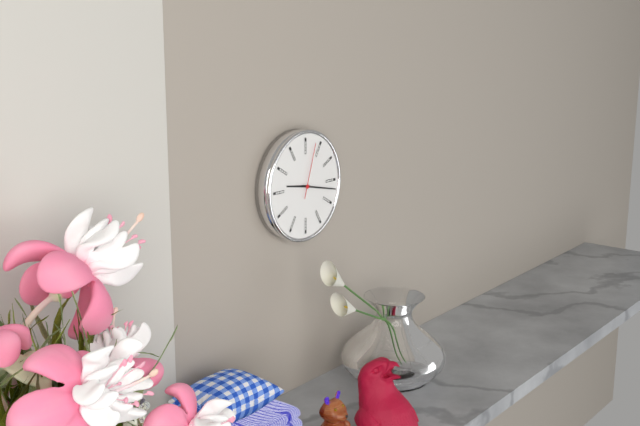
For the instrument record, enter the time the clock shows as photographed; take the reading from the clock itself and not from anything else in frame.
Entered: 9:17:03
